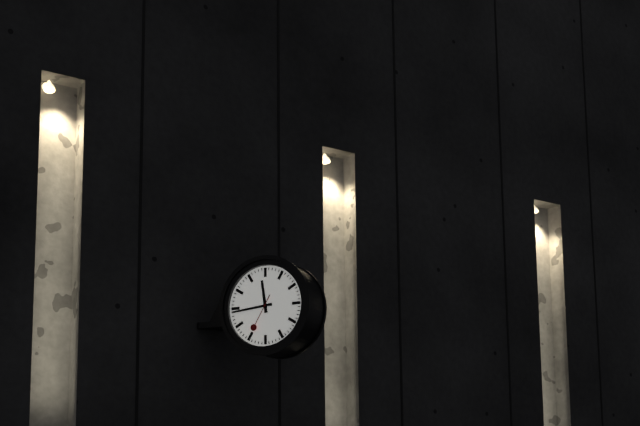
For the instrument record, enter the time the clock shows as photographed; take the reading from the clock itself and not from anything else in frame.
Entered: 11:44
